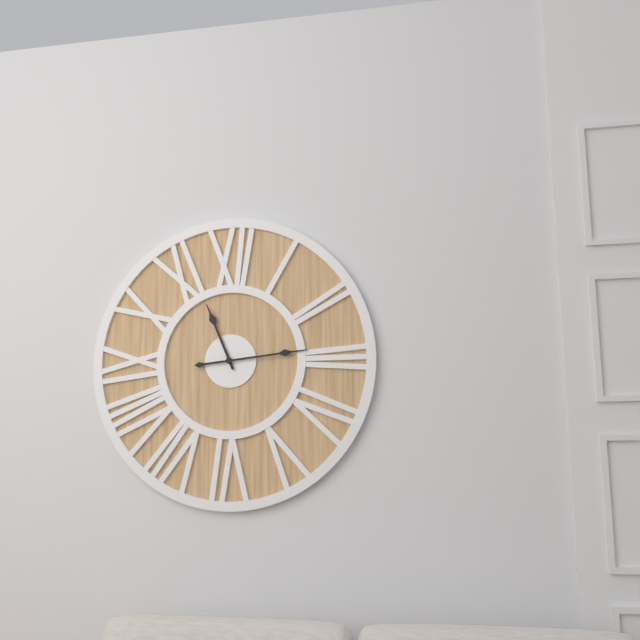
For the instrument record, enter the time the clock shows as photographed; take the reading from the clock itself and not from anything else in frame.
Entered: 11:14
